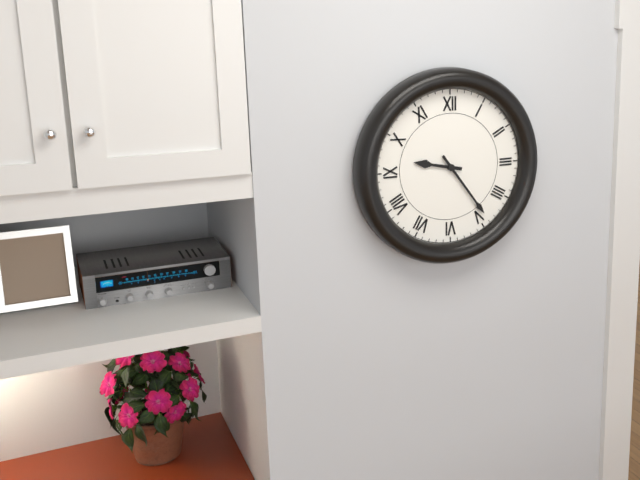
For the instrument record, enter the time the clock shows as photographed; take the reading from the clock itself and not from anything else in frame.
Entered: 9:24
